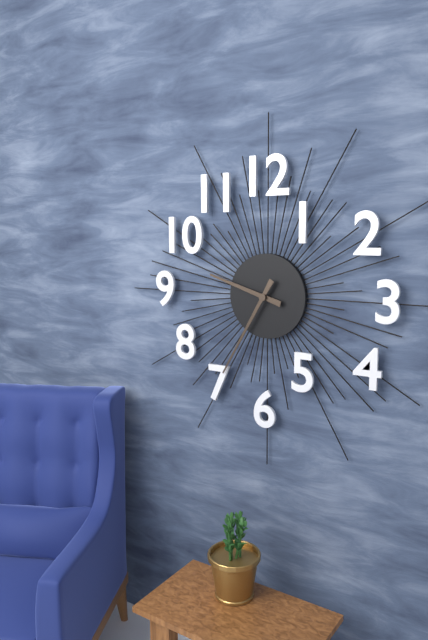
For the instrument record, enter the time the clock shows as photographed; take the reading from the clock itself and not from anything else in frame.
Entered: 9:35
